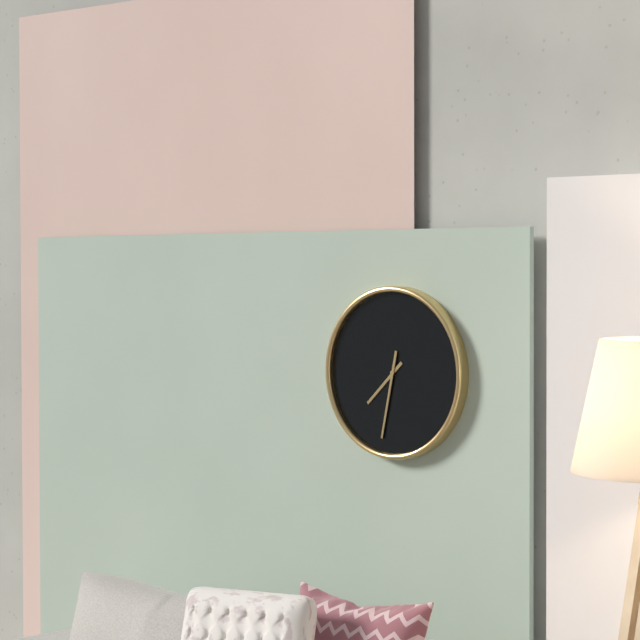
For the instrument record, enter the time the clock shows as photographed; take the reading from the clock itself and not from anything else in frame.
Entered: 7:32
